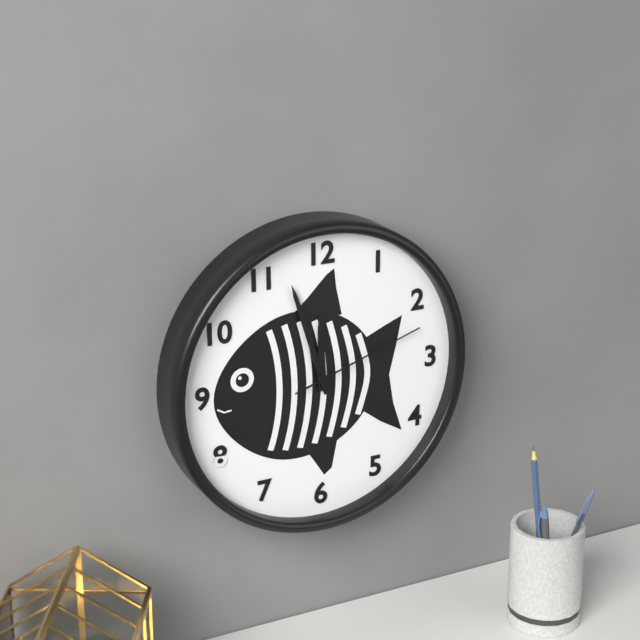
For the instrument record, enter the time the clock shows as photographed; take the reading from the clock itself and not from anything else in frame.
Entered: 11:57:12
